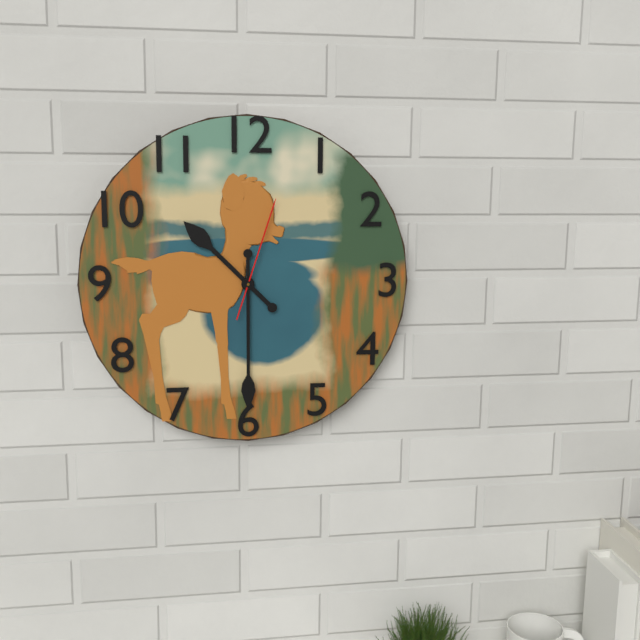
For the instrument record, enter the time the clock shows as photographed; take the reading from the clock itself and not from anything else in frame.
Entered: 10:30:03
